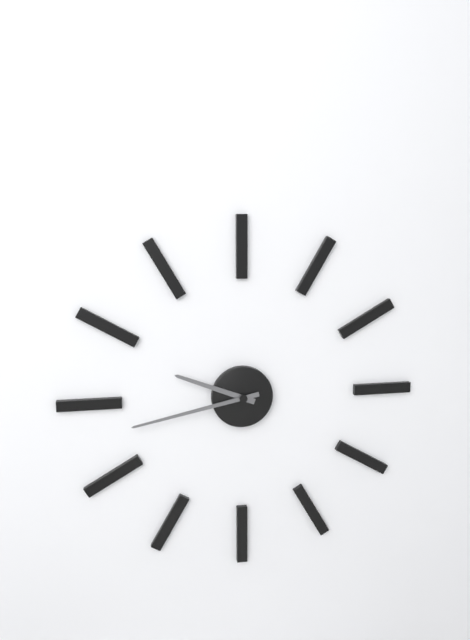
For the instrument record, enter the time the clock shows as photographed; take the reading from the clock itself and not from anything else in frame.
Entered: 9:43
